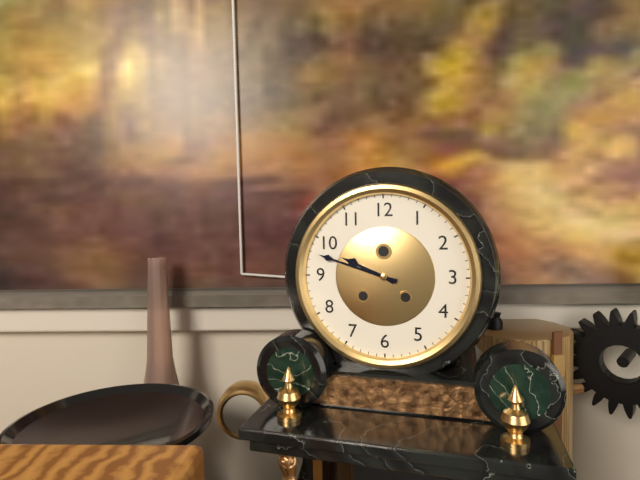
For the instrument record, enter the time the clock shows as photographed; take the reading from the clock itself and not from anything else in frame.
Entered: 9:48
